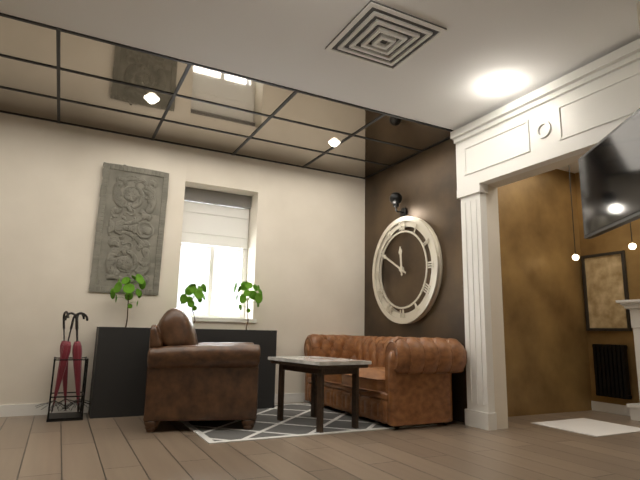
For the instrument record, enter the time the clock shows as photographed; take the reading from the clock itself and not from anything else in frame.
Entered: 11:50
